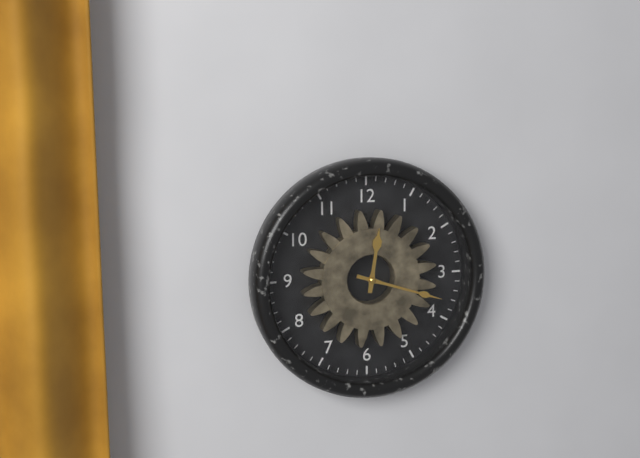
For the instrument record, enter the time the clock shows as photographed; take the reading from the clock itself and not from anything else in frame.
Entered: 12:18
